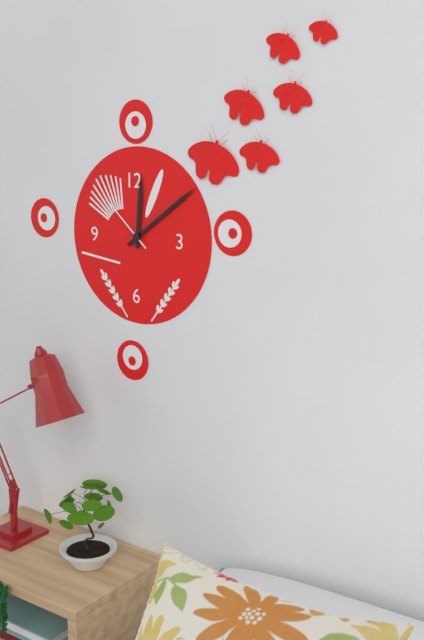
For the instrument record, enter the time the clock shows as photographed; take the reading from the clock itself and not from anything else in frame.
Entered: 12:09:52
